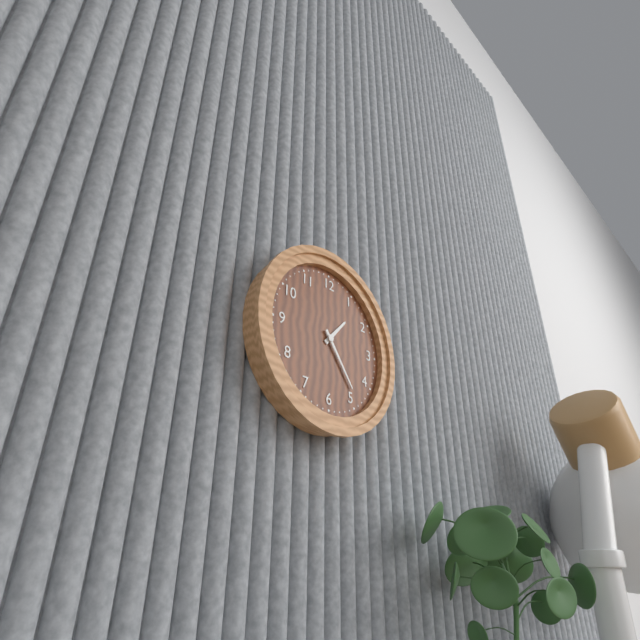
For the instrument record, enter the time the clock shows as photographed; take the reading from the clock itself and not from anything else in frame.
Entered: 1:24
